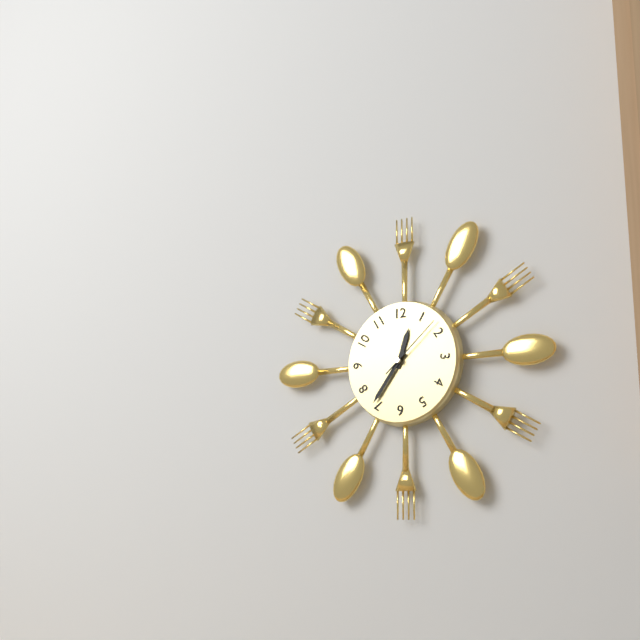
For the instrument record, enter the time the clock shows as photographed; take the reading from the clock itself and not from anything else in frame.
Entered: 12:36:08
